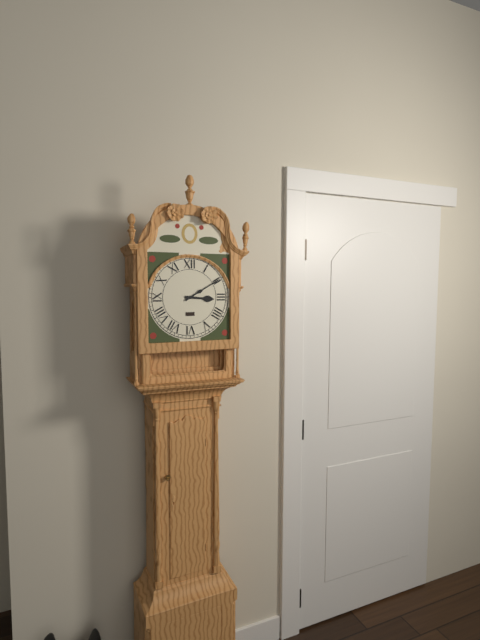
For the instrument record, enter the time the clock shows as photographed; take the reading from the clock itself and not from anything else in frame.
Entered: 3:10
